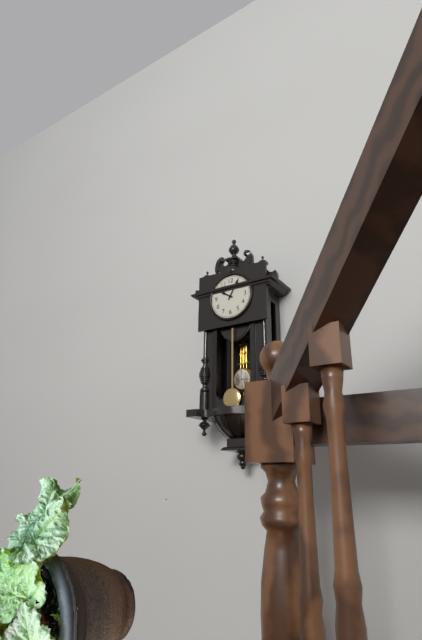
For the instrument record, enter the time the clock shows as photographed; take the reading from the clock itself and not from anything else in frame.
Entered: 10:05
